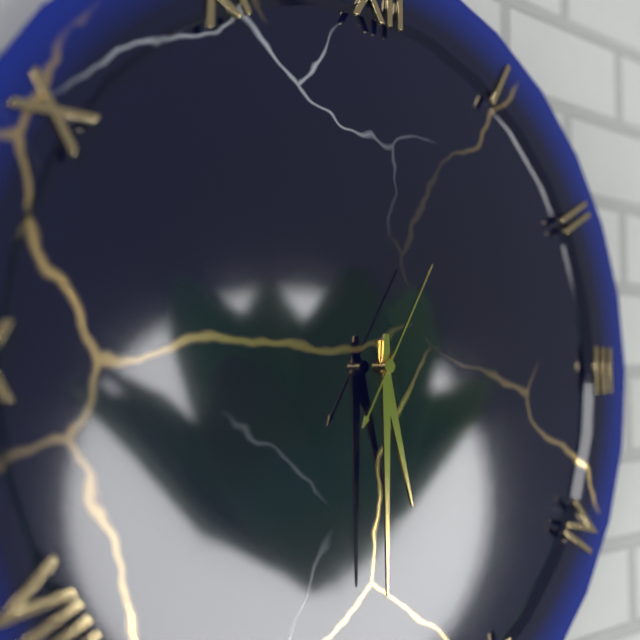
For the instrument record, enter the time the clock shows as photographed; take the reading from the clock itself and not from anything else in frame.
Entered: 5:30:05
